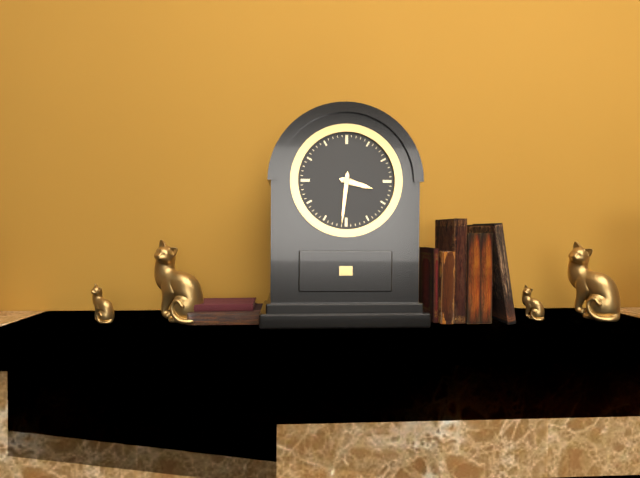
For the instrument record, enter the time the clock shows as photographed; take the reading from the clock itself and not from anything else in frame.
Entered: 3:31
